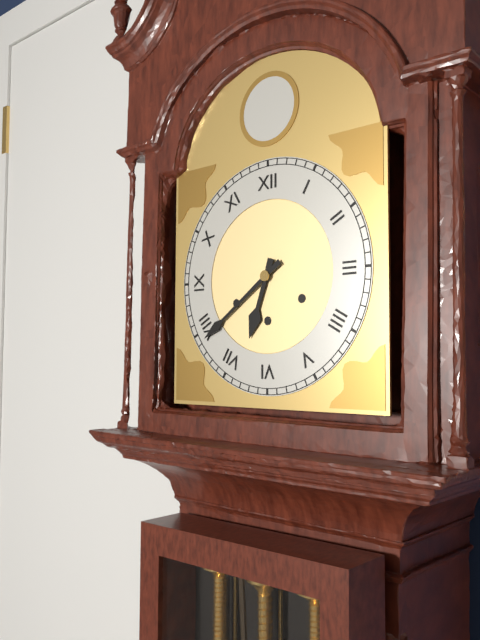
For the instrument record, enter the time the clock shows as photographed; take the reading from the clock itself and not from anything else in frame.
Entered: 6:39
